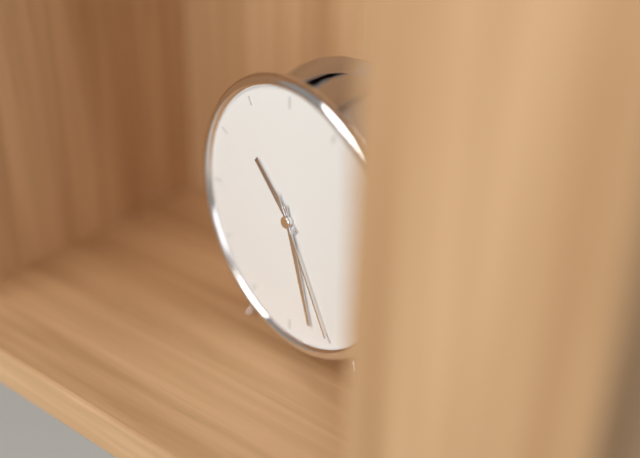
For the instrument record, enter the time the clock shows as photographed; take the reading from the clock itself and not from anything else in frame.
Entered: 10:27:25
